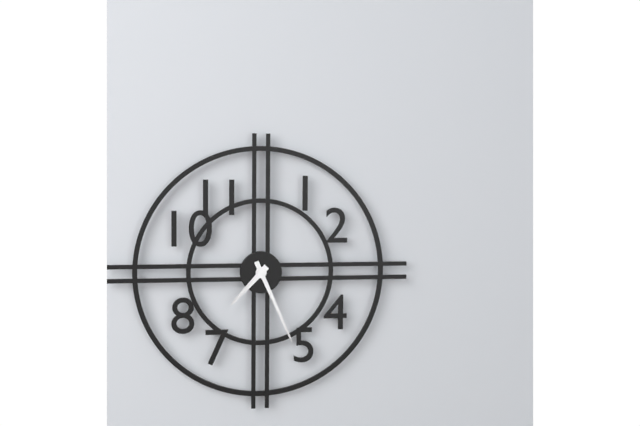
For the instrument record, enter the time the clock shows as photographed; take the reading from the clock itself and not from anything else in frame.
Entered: 7:26
